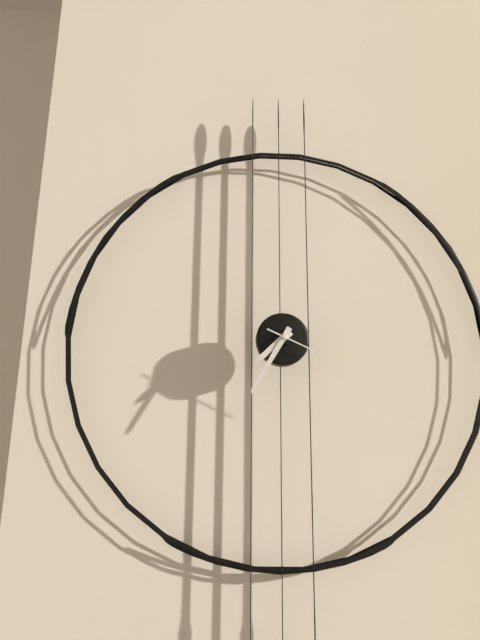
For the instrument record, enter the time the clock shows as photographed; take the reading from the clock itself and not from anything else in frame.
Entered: 7:35:19
